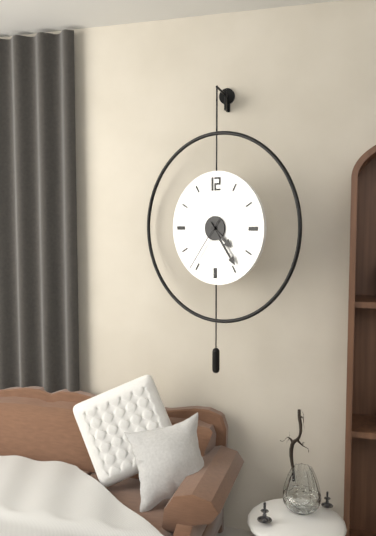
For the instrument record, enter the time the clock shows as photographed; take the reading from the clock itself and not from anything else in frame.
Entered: 4:24:36
